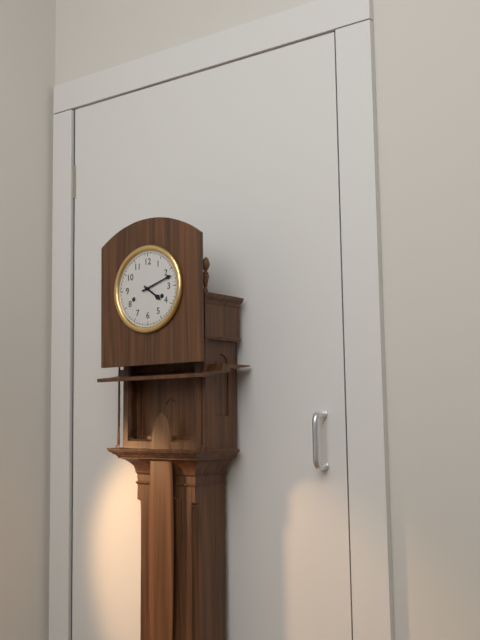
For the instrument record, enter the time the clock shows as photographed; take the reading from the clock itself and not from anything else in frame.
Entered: 4:12
